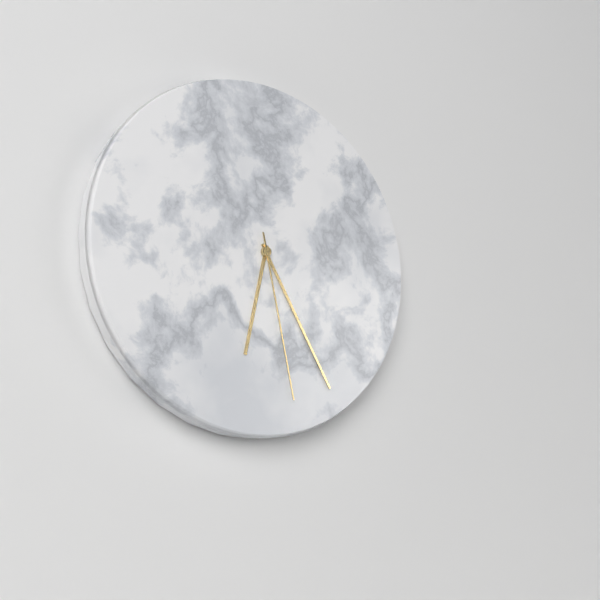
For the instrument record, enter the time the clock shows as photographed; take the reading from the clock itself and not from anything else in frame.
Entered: 6:25:28
